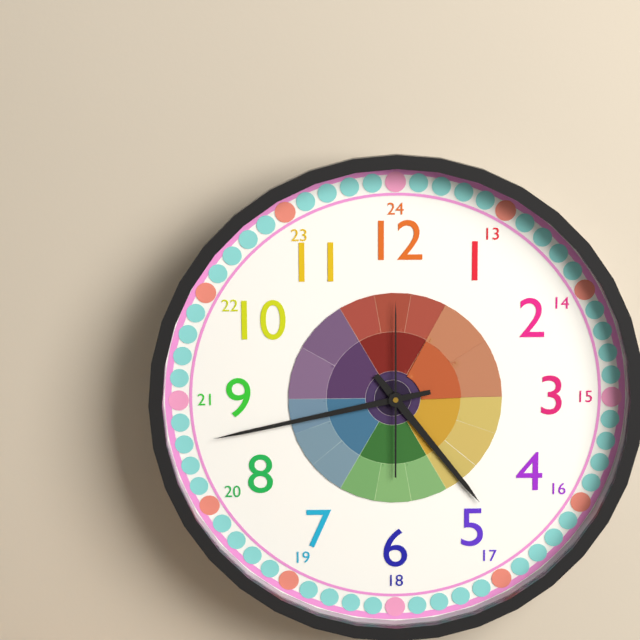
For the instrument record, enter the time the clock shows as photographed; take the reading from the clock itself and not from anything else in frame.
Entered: 4:43:00
